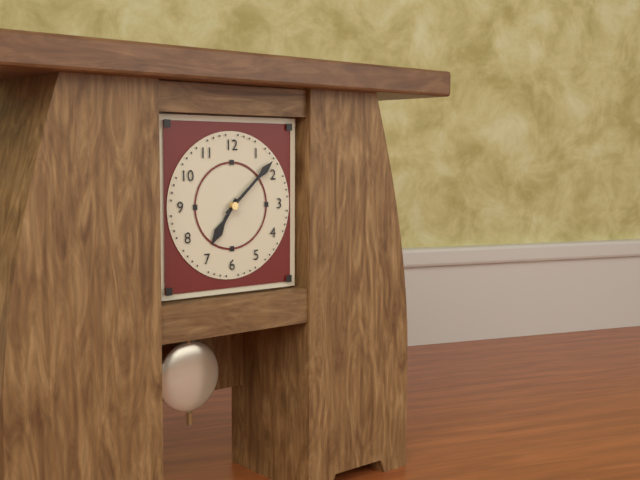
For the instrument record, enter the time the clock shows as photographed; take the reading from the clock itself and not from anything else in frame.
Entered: 7:08
